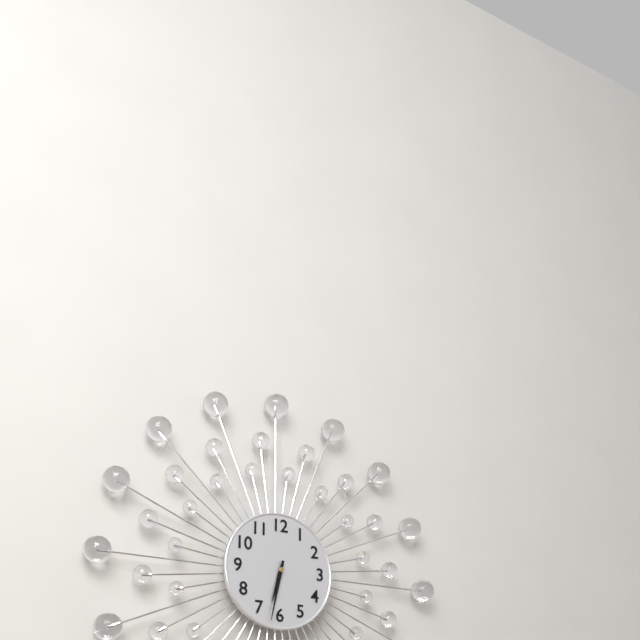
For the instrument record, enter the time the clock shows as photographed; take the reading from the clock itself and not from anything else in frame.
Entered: 6:32
